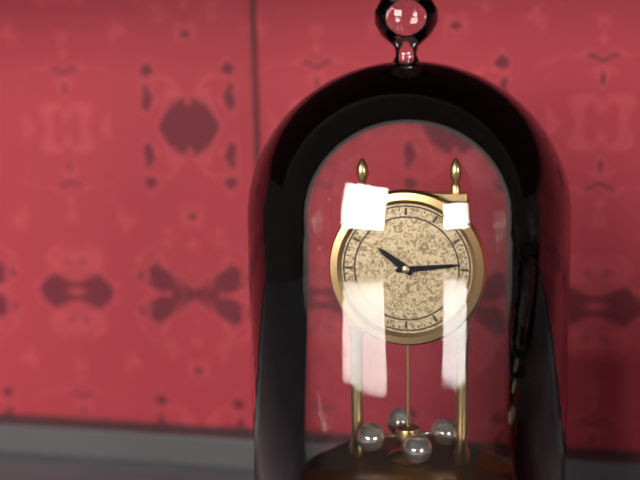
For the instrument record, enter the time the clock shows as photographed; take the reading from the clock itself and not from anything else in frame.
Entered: 10:14
